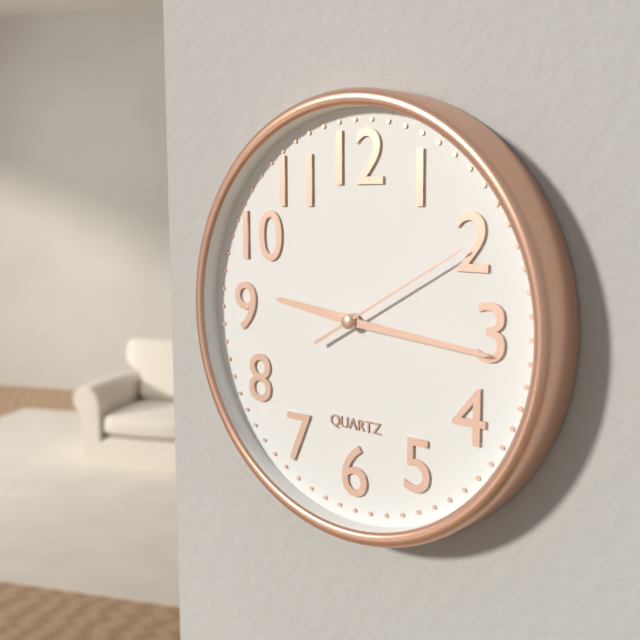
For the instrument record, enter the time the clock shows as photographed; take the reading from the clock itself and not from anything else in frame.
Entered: 9:16:10
